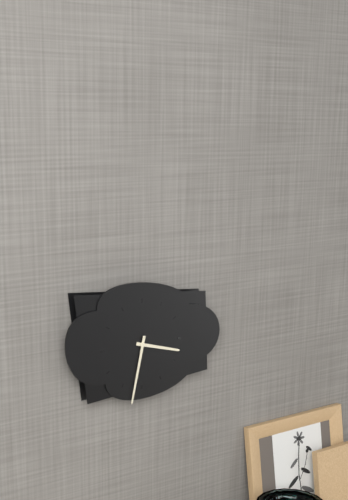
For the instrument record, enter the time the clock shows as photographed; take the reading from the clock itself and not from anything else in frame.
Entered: 3:32
